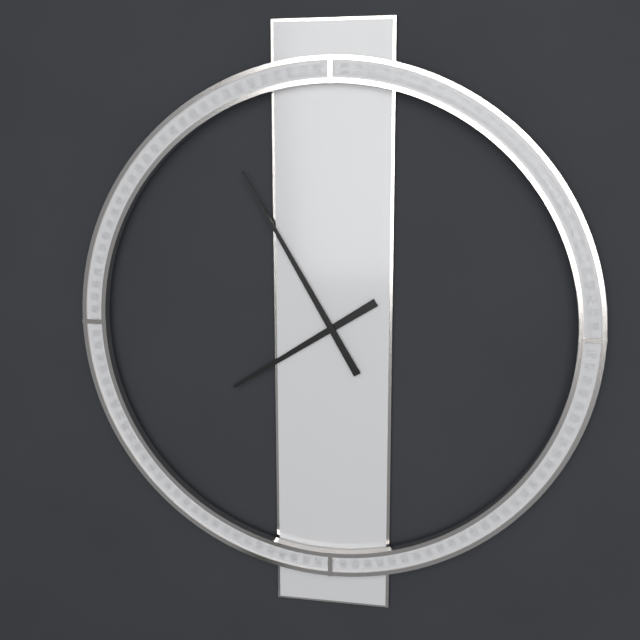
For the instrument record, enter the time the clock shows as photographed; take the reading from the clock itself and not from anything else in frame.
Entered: 7:55
